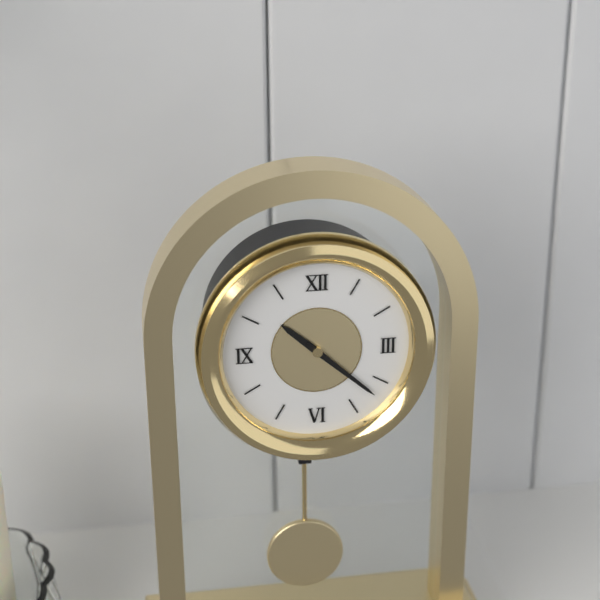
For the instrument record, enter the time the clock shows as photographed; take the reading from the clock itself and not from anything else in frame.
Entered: 10:22
